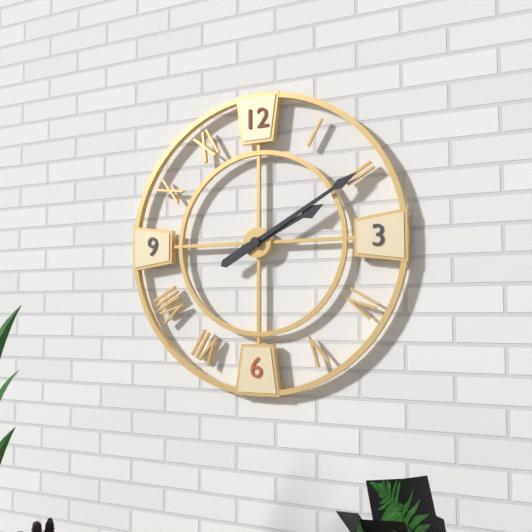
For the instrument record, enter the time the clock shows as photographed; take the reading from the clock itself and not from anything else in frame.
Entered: 2:10
